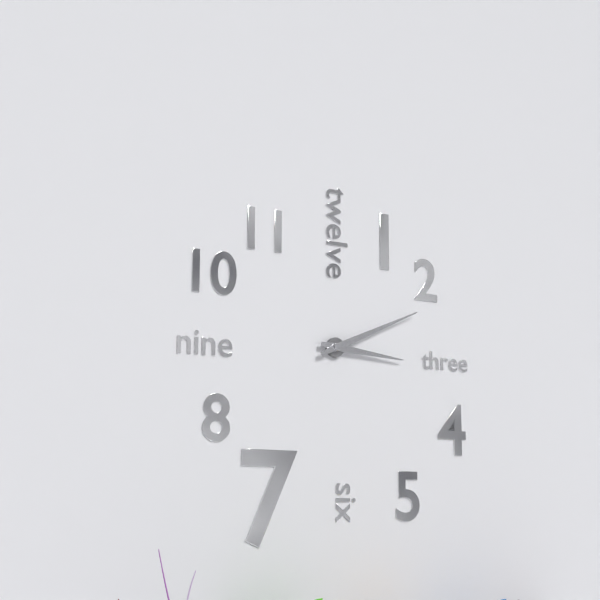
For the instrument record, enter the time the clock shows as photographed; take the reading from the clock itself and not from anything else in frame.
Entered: 3:11
